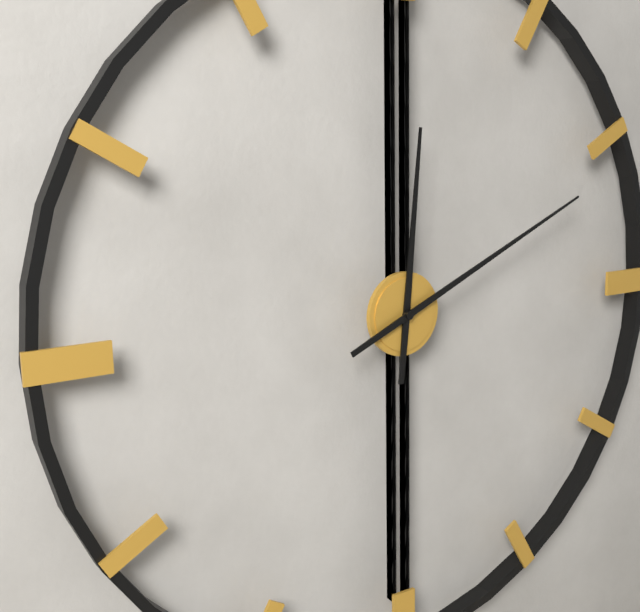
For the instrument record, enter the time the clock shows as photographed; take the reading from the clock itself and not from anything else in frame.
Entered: 12:11
